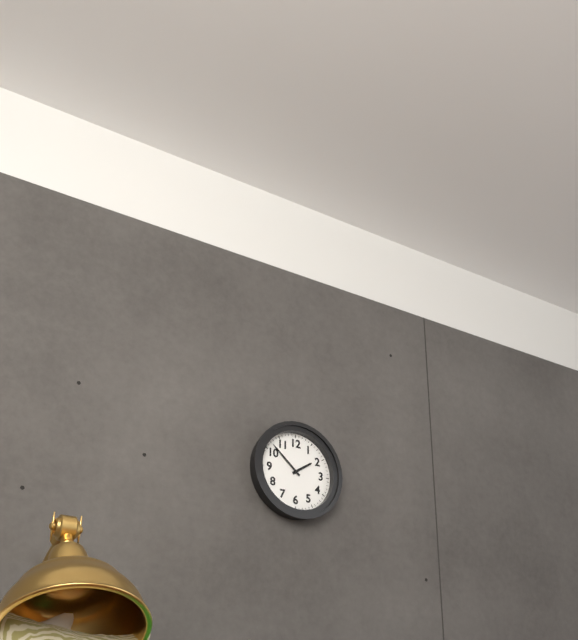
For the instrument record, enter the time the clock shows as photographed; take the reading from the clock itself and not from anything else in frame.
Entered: 1:52
